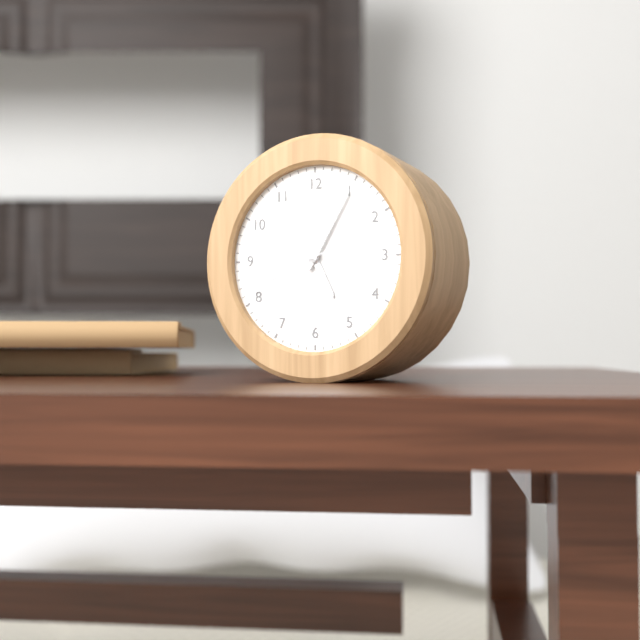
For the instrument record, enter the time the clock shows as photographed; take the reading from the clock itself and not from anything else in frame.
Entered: 5:05:41
